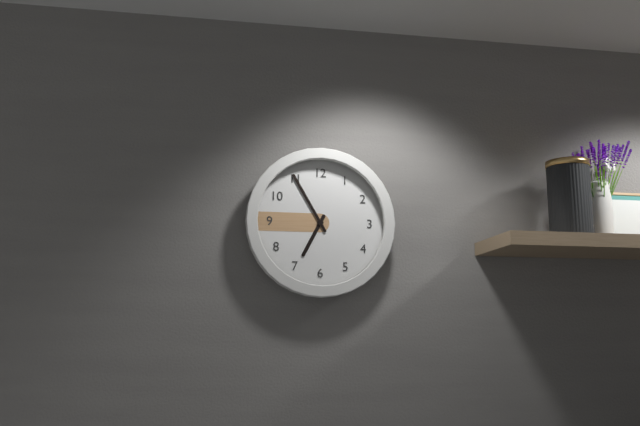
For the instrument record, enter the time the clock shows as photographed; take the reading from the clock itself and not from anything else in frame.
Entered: 6:55
